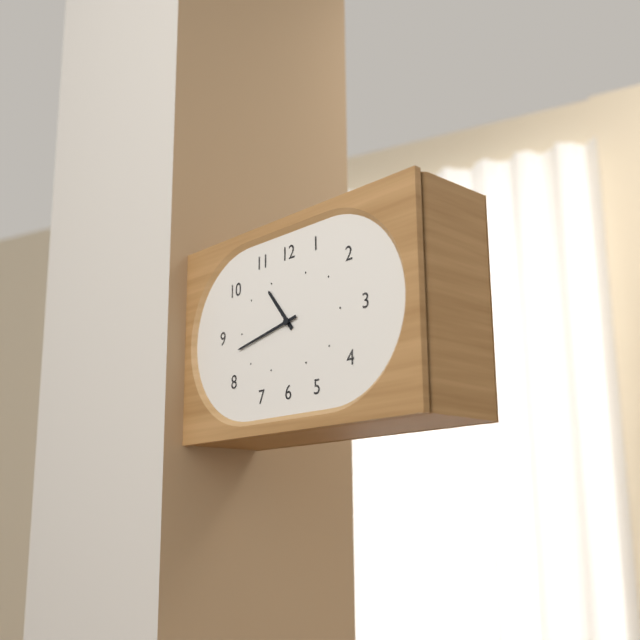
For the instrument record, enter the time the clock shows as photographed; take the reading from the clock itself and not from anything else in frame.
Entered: 10:43
